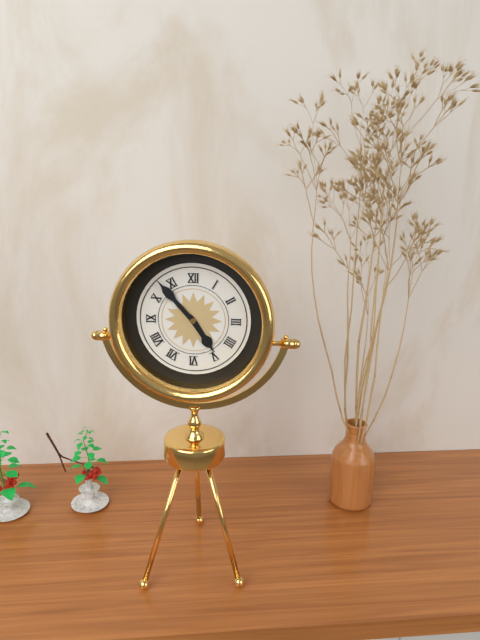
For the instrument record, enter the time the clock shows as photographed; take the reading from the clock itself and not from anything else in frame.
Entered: 4:53
